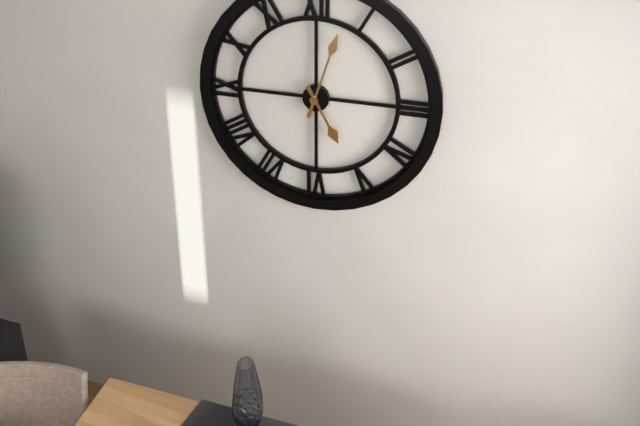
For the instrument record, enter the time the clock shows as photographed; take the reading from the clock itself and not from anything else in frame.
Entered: 5:03
